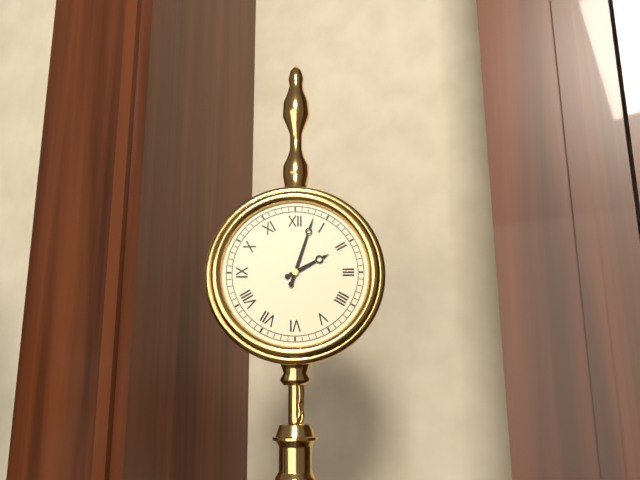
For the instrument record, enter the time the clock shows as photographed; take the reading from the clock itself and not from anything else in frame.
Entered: 2:03
